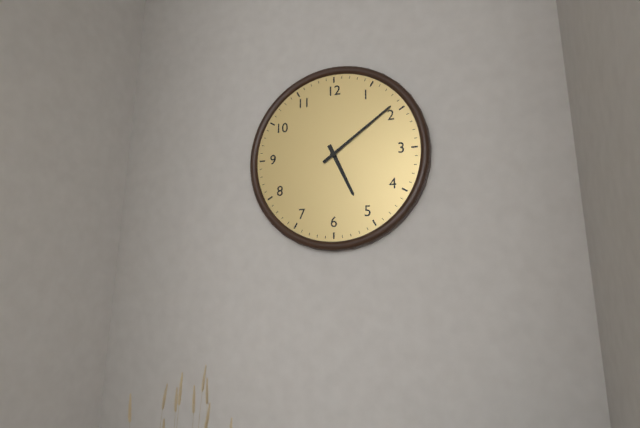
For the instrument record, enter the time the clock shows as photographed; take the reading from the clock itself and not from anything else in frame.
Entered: 5:09
